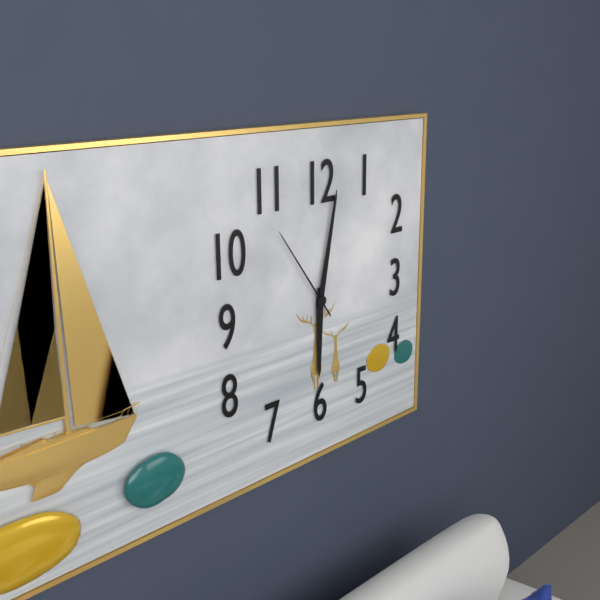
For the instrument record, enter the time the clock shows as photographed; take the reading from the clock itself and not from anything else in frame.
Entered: 6:02:54
